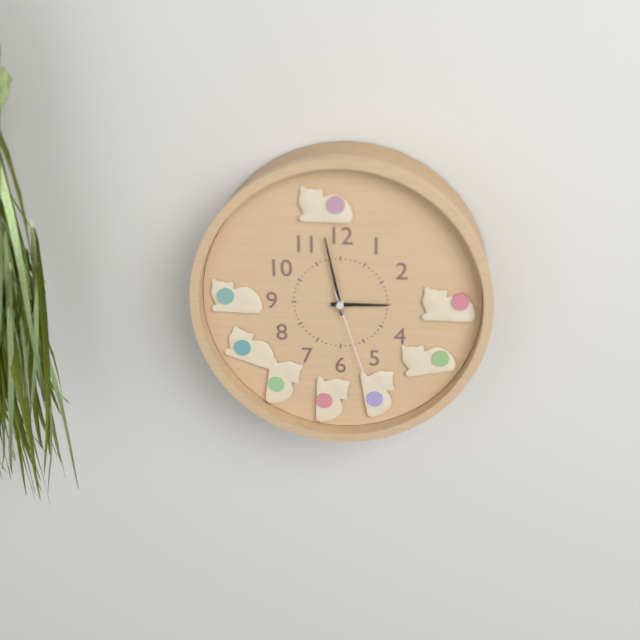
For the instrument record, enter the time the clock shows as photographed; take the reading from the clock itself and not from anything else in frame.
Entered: 2:58:27
